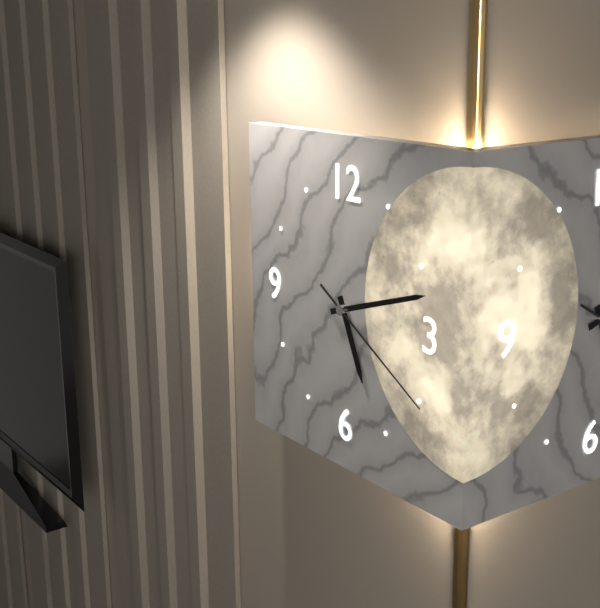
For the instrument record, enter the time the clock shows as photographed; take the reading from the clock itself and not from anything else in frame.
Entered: 5:12:20
